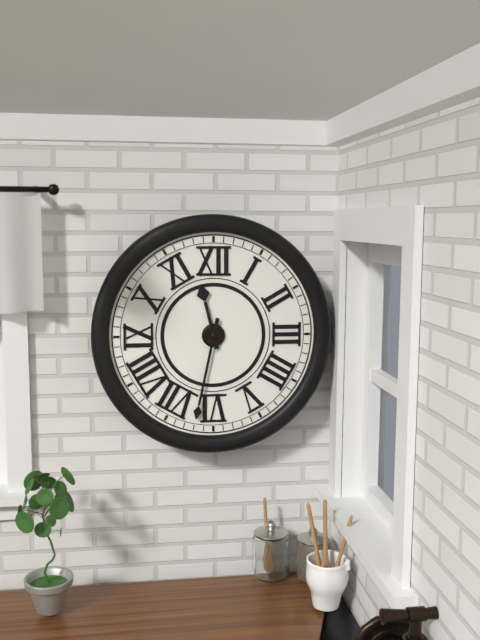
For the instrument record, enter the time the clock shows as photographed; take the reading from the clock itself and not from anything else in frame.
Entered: 11:32
